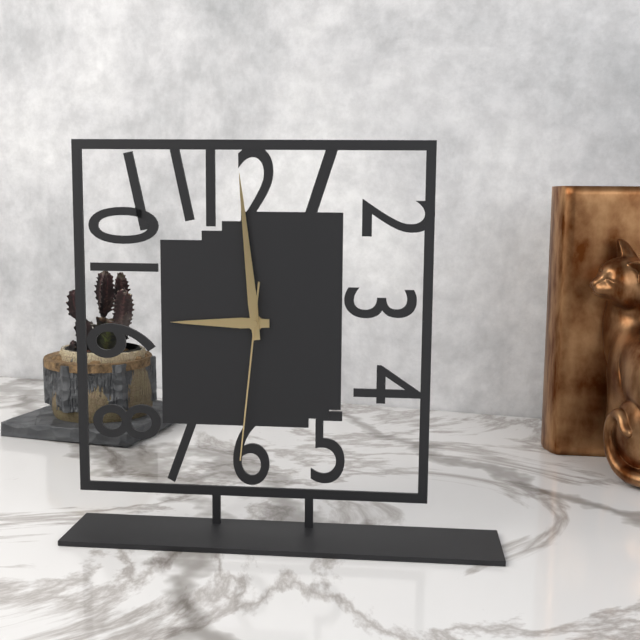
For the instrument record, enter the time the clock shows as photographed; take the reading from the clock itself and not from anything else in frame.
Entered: 8:59:31
